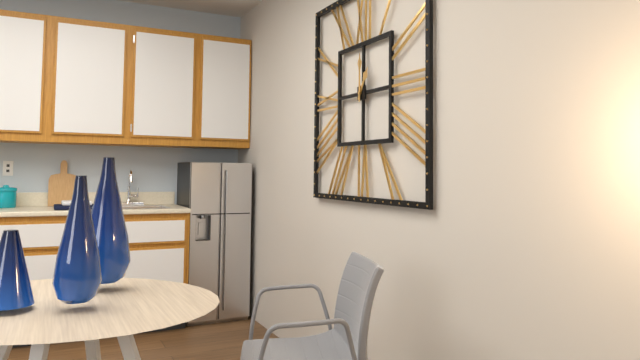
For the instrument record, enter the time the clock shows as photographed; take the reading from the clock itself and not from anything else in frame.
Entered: 1:00
